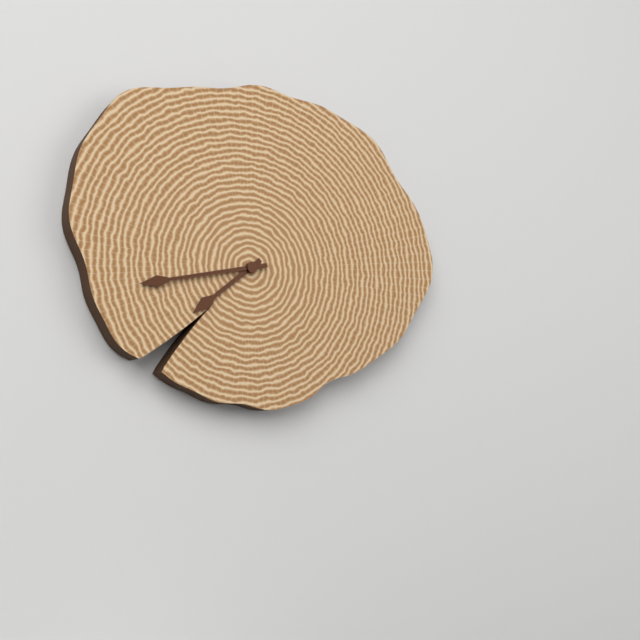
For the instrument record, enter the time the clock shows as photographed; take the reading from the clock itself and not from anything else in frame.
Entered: 7:43
